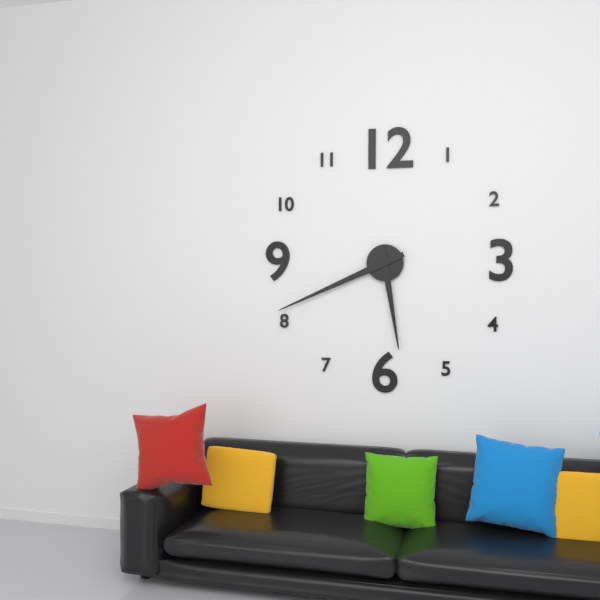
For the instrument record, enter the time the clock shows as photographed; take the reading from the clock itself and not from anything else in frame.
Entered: 5:41
